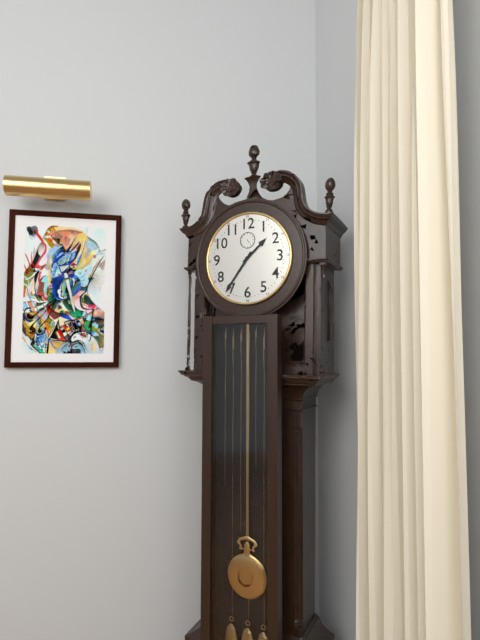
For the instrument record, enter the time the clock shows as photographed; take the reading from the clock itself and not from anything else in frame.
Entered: 1:36
